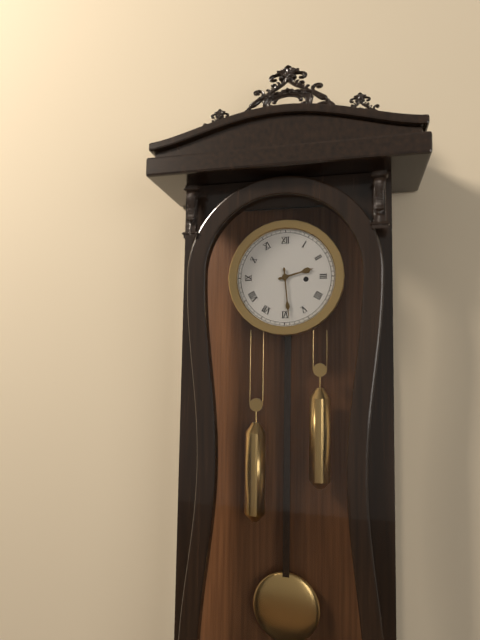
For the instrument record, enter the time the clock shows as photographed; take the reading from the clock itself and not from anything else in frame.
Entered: 2:29
